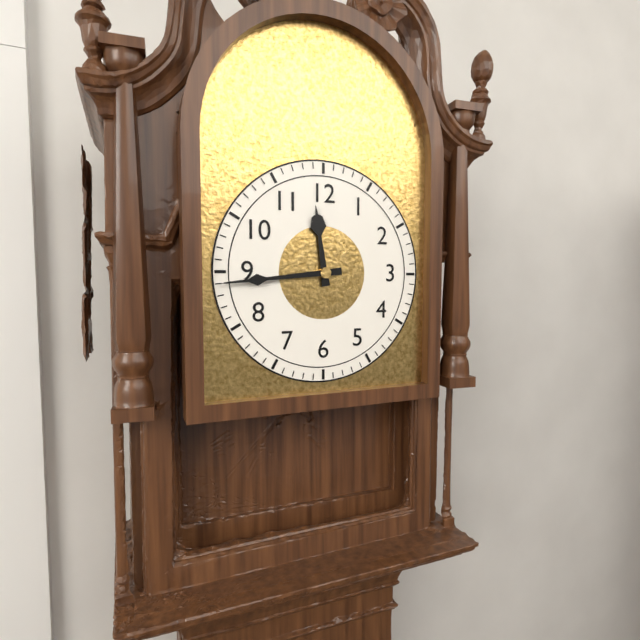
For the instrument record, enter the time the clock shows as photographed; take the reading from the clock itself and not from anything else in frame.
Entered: 11:44
